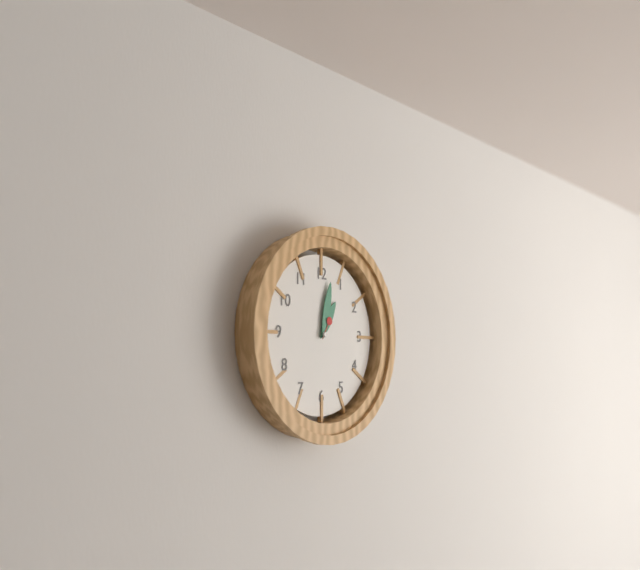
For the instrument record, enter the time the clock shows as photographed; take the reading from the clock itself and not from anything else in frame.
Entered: 1:02
